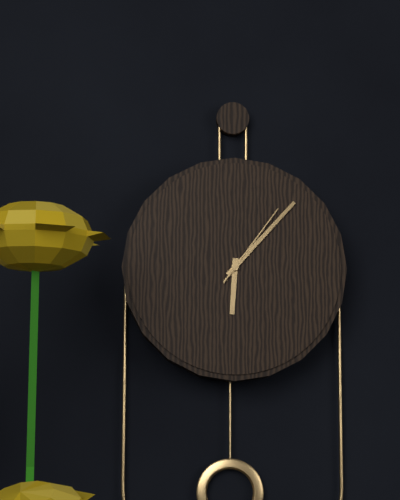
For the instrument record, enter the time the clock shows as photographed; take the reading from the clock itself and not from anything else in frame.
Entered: 6:07:06
